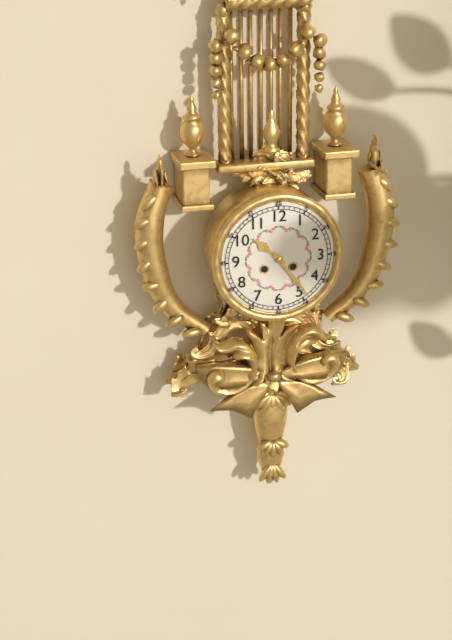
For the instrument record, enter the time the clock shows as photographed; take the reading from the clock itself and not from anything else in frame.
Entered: 10:24
